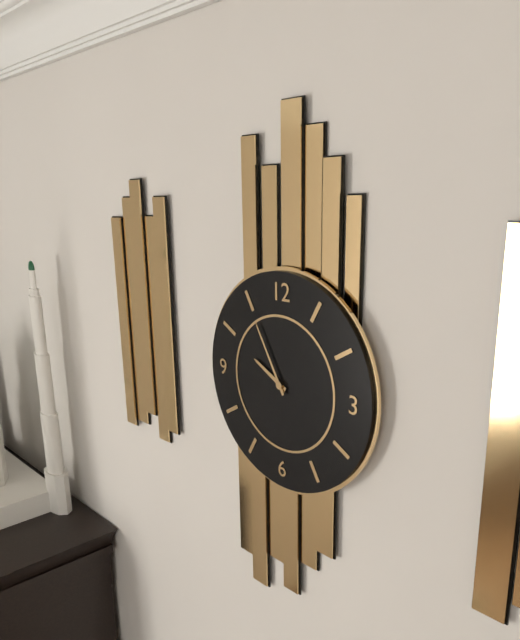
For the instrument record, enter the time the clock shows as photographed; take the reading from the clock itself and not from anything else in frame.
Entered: 9:55
